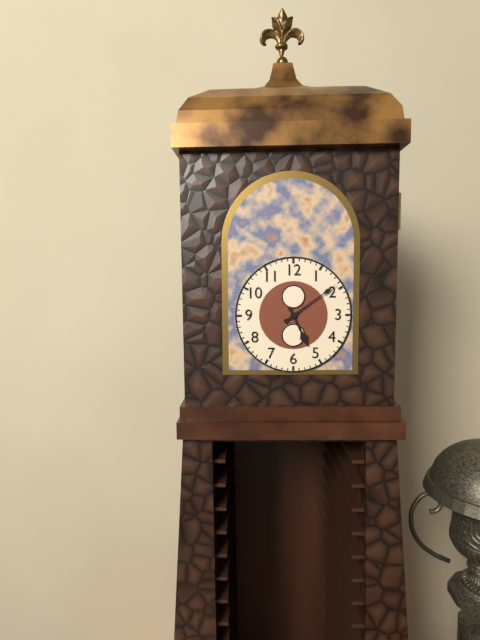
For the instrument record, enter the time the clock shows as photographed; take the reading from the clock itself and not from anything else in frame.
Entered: 5:09
